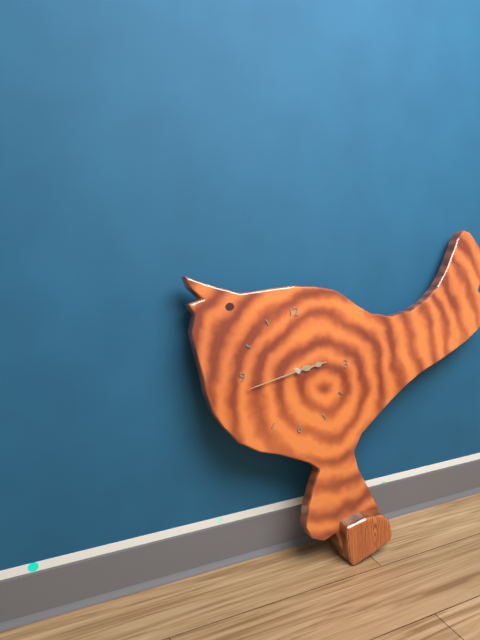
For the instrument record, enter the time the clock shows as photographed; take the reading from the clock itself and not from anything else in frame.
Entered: 2:43
